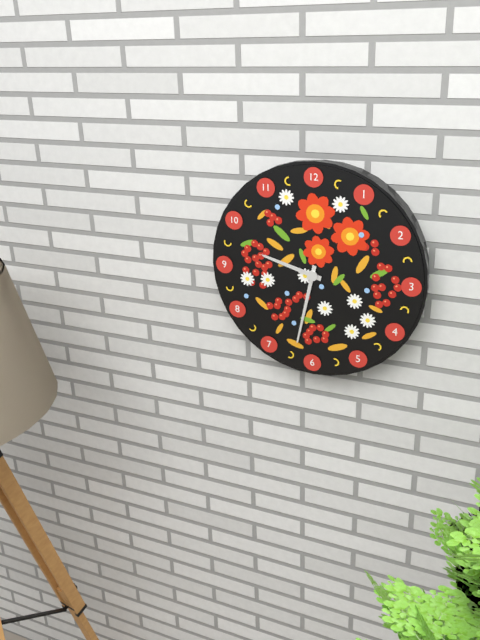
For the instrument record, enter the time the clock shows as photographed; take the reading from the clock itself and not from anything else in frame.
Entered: 9:32
